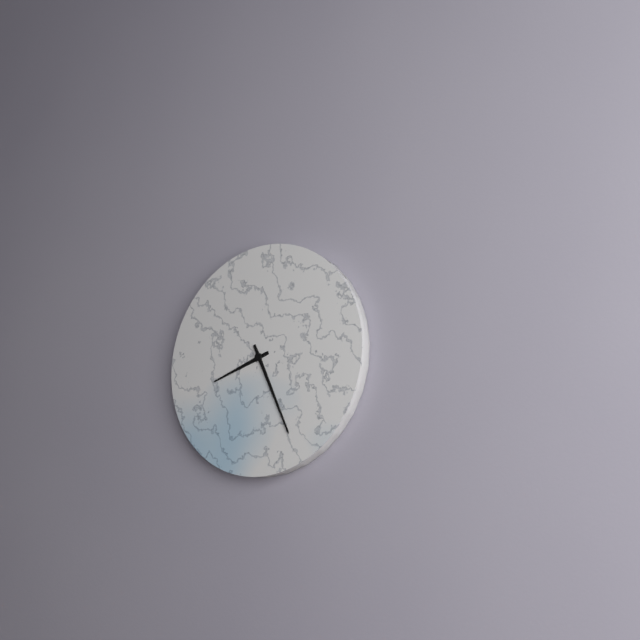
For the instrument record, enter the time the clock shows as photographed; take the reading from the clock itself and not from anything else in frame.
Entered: 8:26
